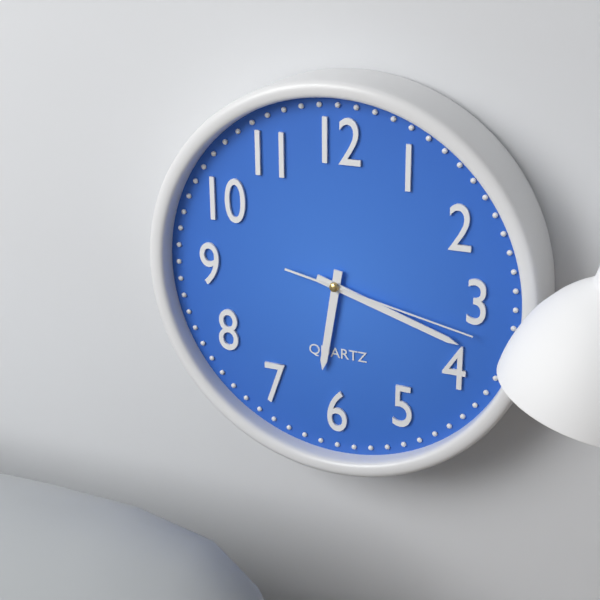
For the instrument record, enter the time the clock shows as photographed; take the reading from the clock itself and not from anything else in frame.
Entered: 6:18:17
